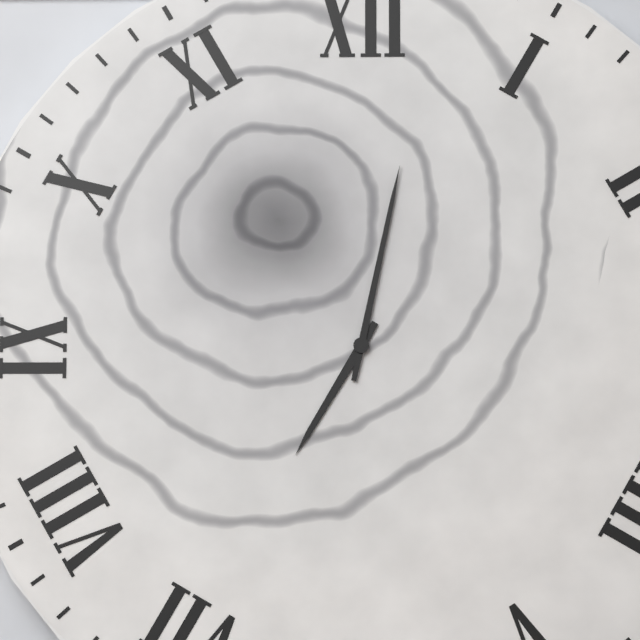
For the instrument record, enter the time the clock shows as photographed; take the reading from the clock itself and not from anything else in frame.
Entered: 7:02
